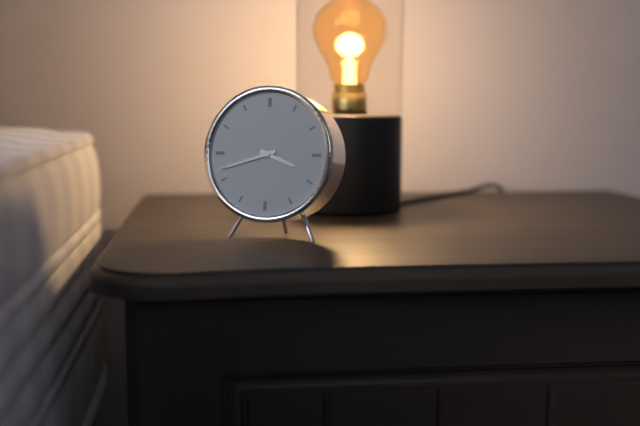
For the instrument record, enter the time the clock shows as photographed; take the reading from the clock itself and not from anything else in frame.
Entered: 3:42
